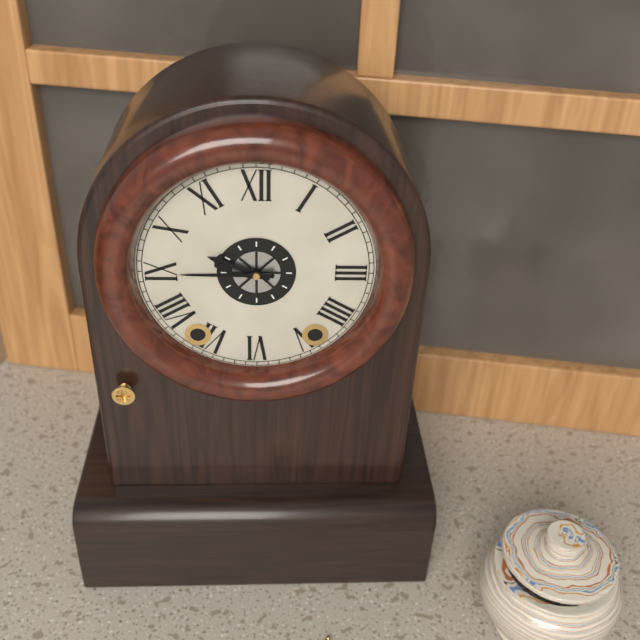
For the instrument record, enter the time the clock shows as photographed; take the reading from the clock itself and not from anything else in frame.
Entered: 9:45
